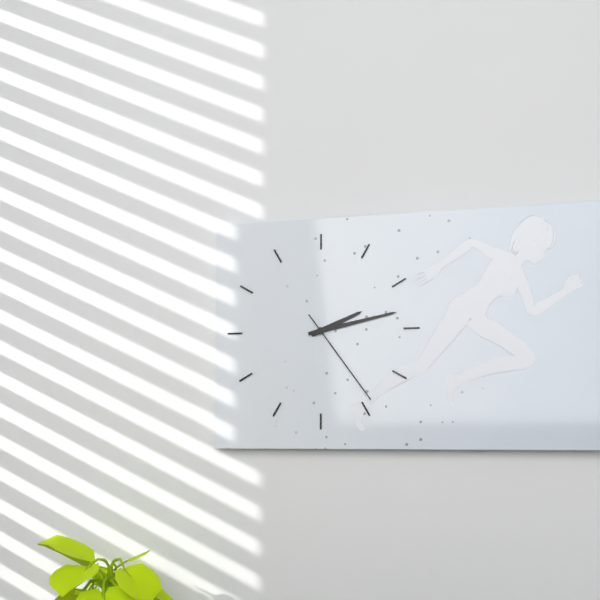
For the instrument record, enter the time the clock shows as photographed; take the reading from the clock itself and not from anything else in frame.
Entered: 2:13:24
